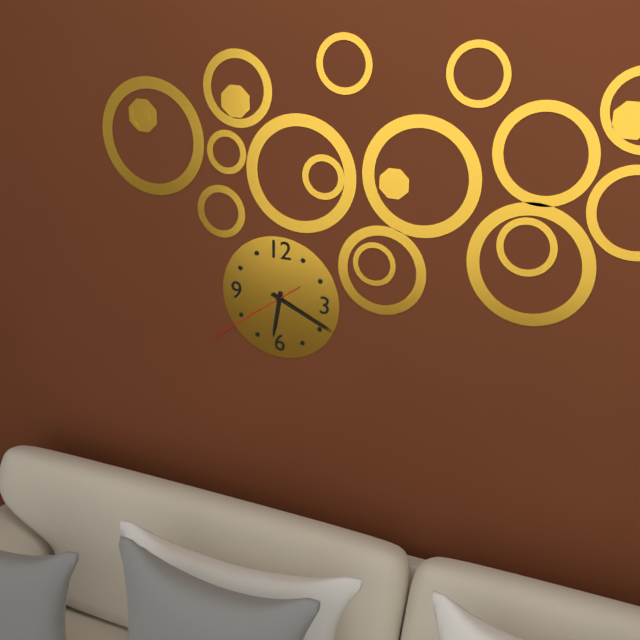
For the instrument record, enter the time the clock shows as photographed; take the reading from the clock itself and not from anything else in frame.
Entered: 6:19:39
